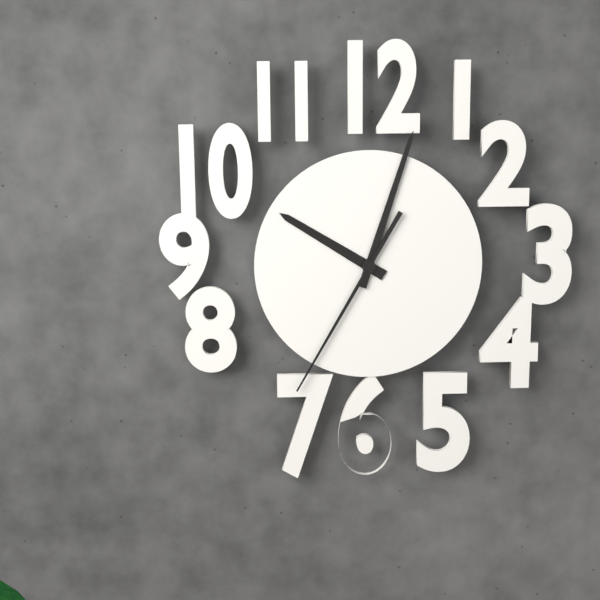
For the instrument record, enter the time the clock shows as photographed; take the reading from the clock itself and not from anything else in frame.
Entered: 10:03:35
